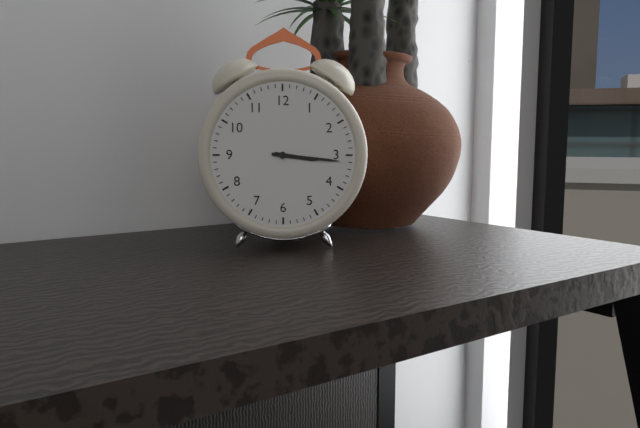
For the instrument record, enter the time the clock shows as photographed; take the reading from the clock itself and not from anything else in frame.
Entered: 3:16
